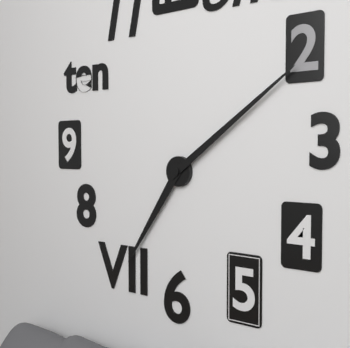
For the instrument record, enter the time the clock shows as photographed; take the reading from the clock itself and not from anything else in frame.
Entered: 7:09
